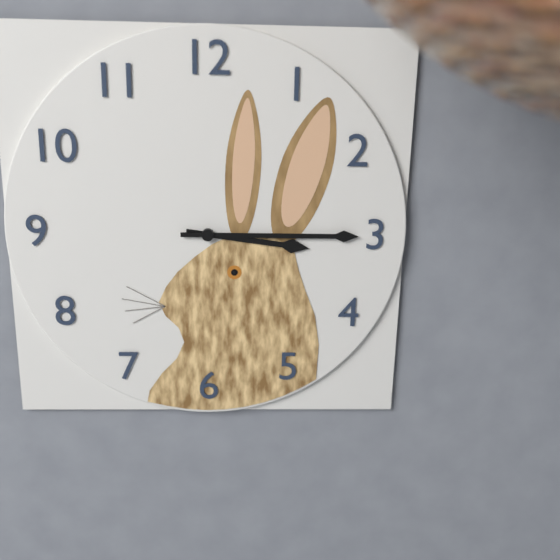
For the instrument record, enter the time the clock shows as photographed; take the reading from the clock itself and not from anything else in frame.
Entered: 3:15
